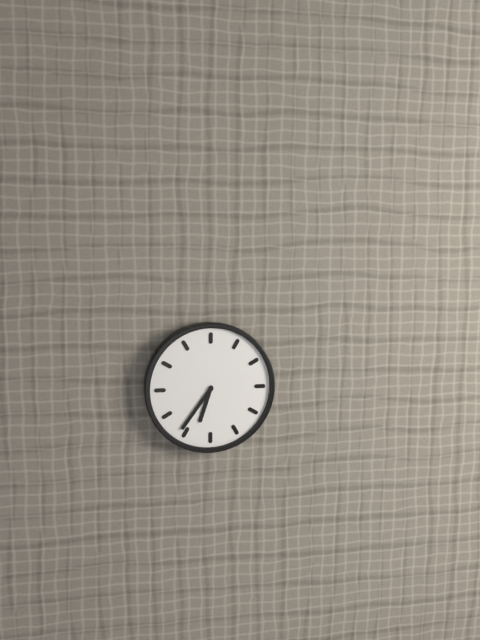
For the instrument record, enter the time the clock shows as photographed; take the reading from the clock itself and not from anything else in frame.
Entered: 6:36
